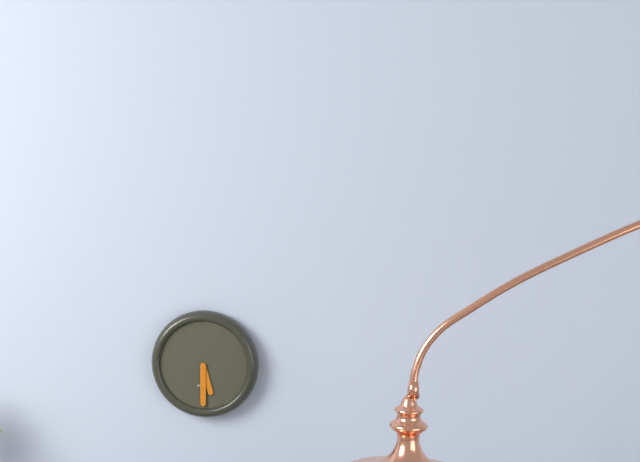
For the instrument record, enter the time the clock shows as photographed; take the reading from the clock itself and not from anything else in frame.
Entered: 5:30
